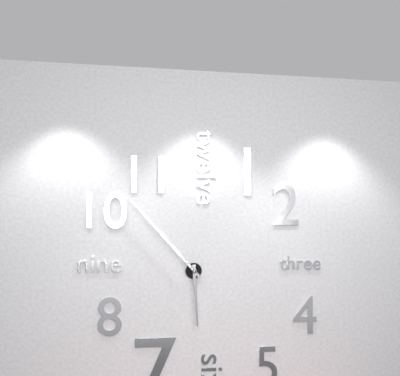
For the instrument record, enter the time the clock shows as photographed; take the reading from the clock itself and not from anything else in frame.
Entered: 5:53
